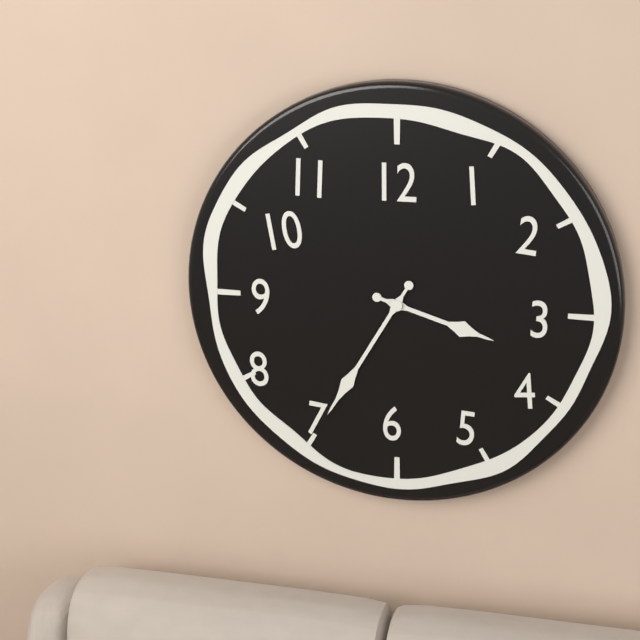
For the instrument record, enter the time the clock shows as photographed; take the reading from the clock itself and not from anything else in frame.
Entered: 3:35
